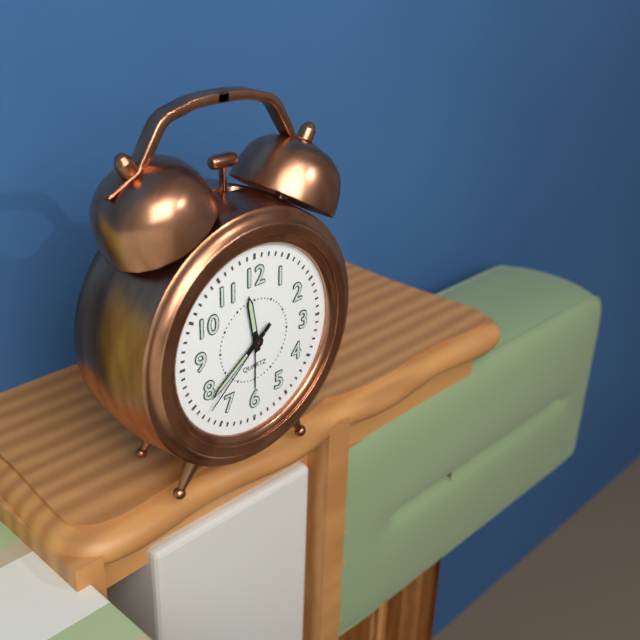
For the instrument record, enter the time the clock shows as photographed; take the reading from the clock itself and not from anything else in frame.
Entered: 11:39:38
